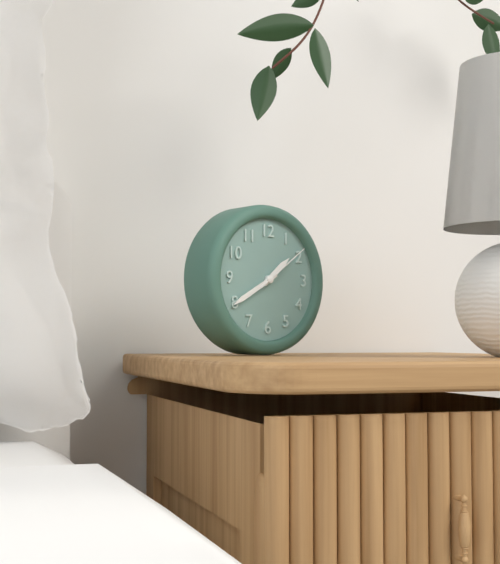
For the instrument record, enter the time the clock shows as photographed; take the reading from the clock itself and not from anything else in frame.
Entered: 1:40:09
